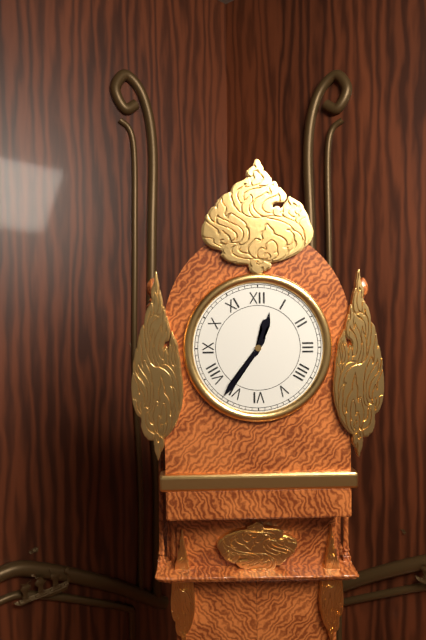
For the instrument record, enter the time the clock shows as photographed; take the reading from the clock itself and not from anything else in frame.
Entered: 12:36
